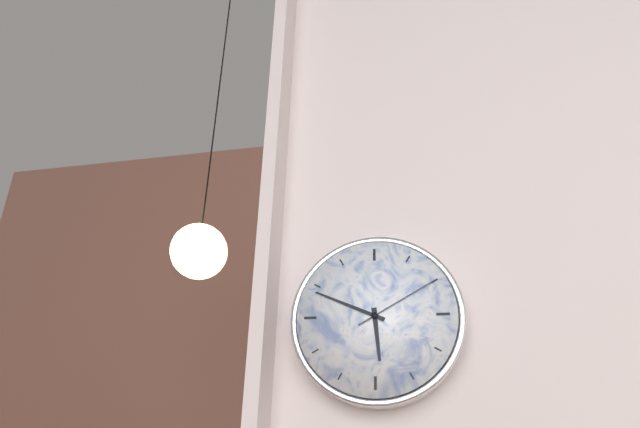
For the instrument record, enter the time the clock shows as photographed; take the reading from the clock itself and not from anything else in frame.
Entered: 5:49:10
